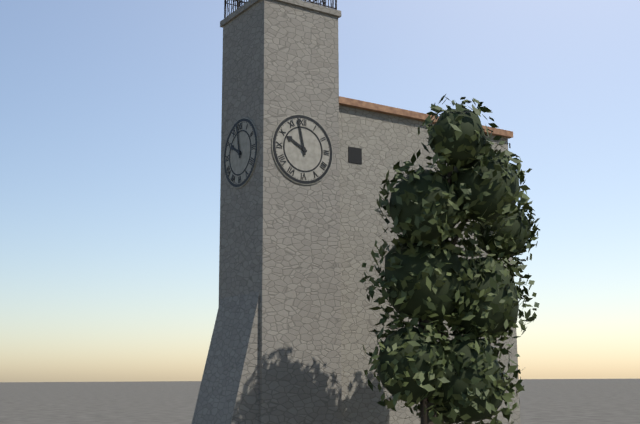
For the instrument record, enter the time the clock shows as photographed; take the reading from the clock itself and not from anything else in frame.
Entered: 9:58
